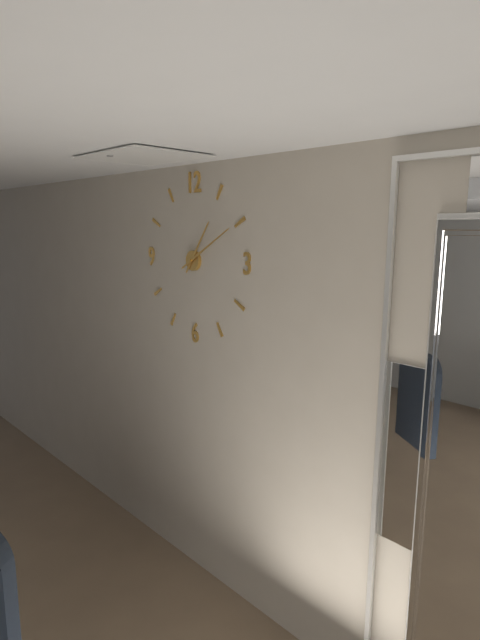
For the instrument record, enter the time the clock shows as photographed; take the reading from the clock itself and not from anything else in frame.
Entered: 1:10
